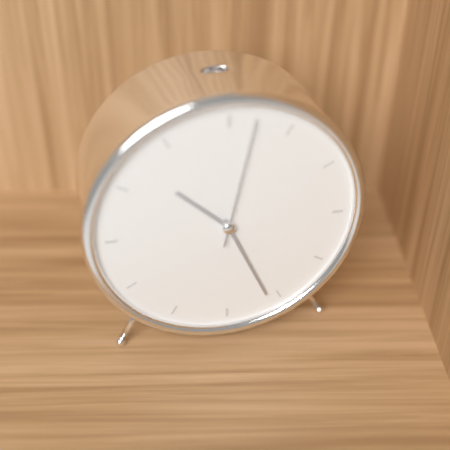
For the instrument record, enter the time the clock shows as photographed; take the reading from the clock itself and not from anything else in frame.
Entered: 10:26:02
